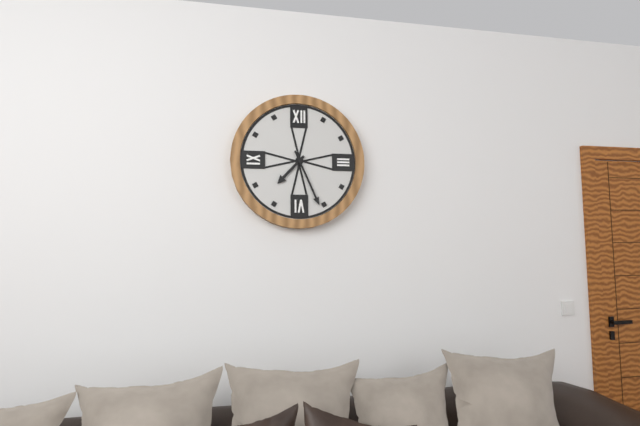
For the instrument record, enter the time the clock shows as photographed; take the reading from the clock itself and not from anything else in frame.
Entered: 7:26
